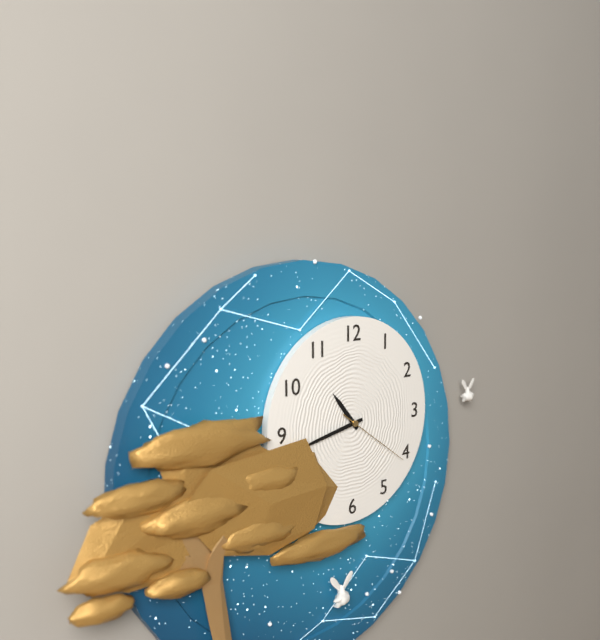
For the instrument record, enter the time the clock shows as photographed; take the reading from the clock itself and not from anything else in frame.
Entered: 10:43:21
